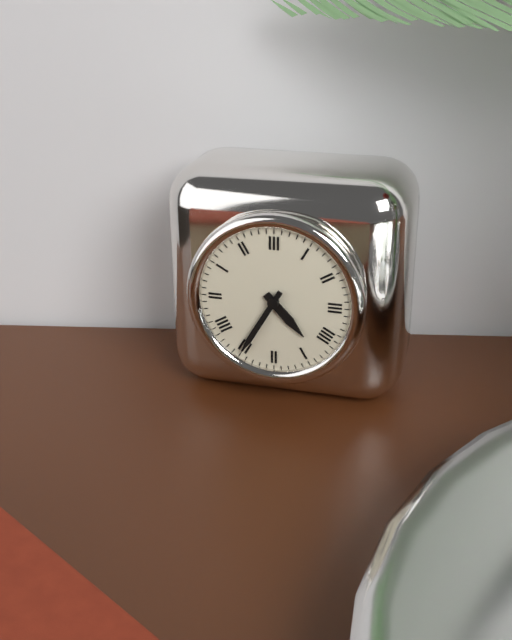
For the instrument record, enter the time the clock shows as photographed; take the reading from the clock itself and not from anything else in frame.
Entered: 4:35
